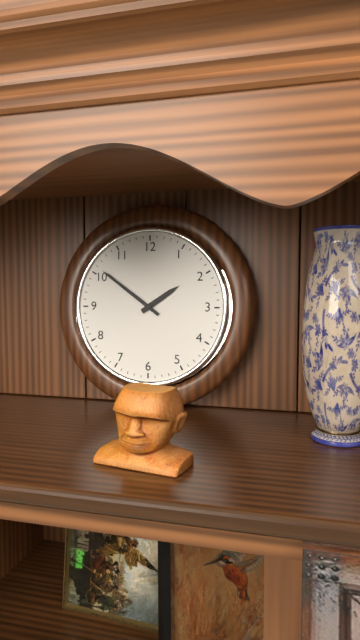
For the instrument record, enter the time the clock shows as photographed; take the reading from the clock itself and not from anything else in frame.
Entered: 1:51
